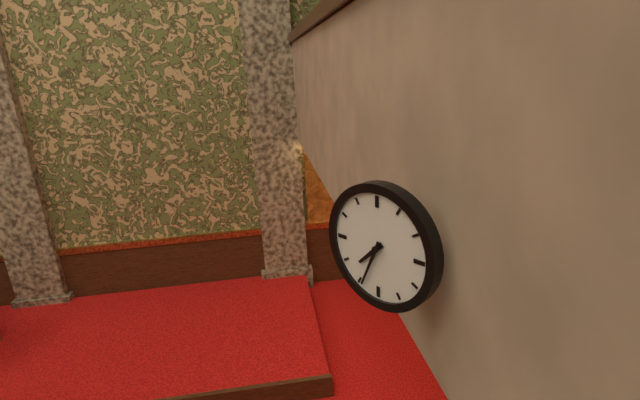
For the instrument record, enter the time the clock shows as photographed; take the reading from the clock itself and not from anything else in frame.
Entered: 7:34
